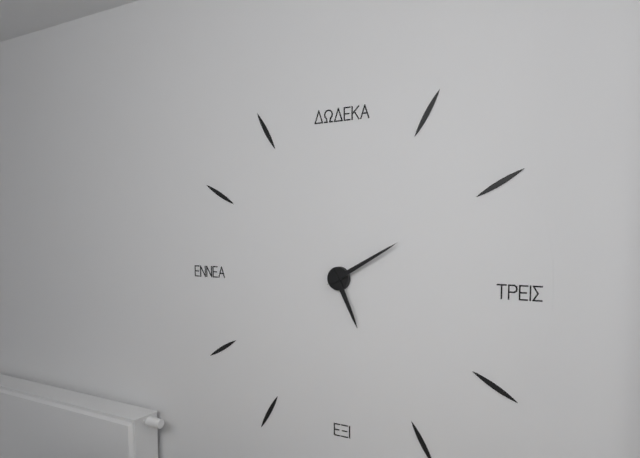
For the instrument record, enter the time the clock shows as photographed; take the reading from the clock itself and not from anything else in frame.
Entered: 5:10
